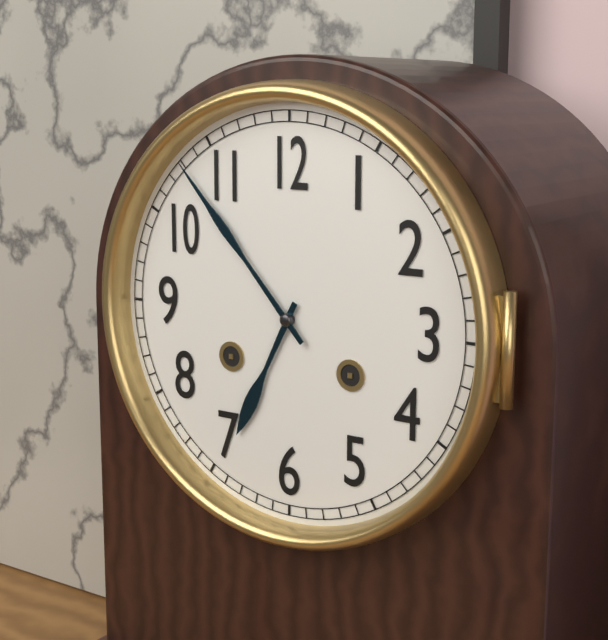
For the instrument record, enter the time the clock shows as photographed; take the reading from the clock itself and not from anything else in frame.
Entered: 6:53
